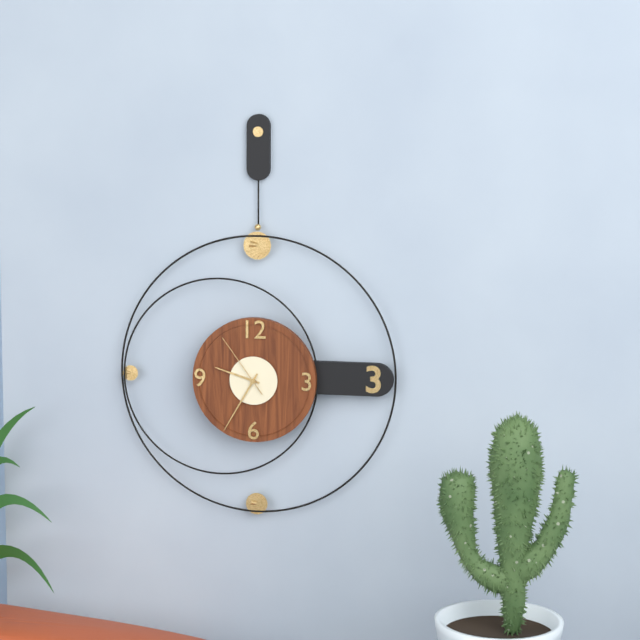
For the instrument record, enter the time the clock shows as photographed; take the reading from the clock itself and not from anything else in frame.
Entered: 9:35:54
